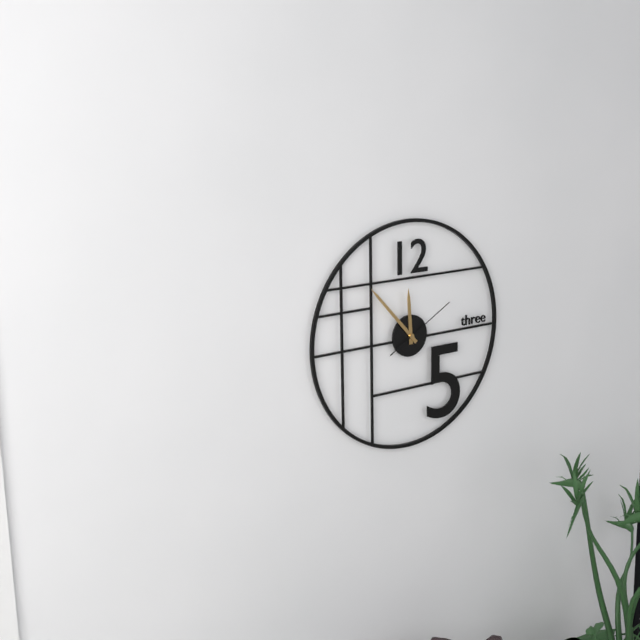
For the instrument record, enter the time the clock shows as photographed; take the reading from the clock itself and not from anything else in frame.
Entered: 11:53:10
